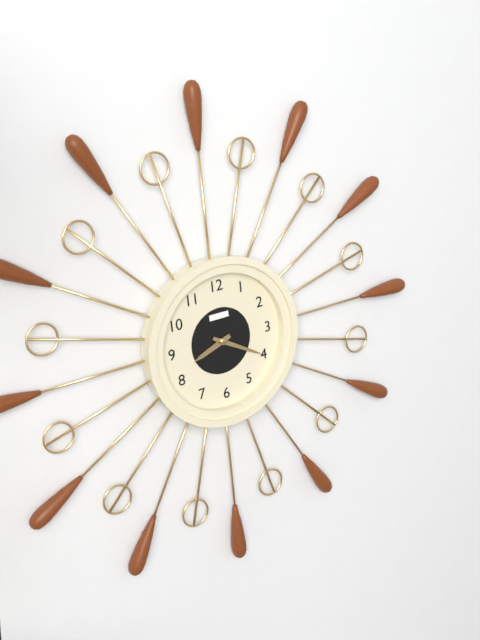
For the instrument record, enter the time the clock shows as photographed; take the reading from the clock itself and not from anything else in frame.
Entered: 8:20
